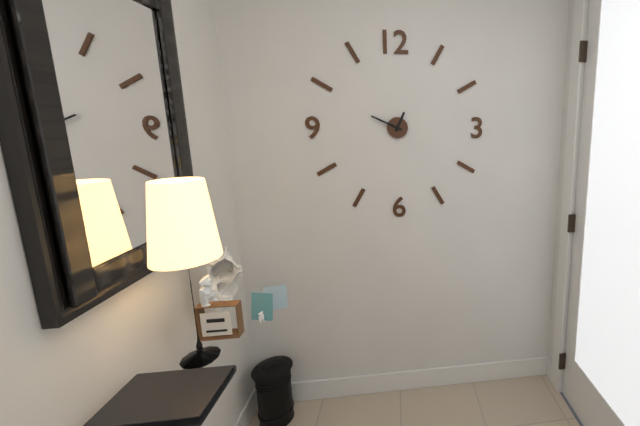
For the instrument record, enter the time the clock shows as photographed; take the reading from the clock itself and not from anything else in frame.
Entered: 12:49
